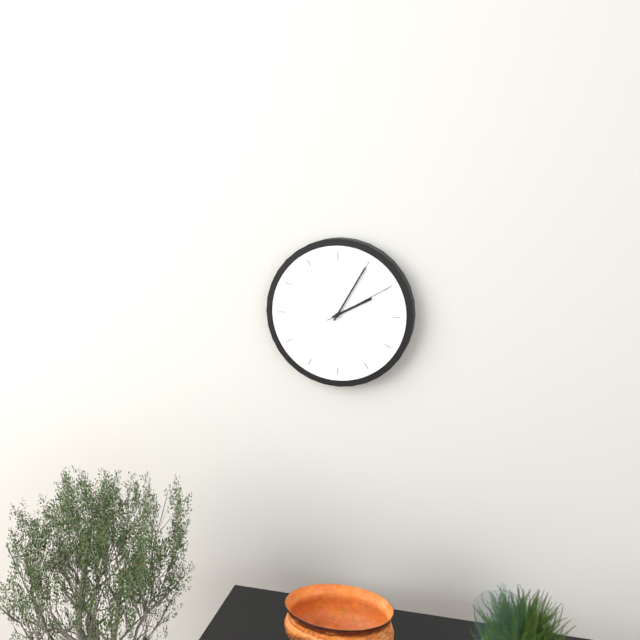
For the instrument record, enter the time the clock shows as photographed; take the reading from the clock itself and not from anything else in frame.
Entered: 2:05:10
